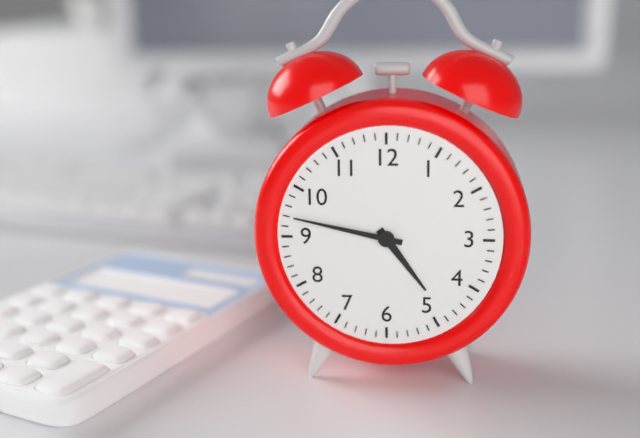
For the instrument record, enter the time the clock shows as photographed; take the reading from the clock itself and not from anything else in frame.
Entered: 4:47
